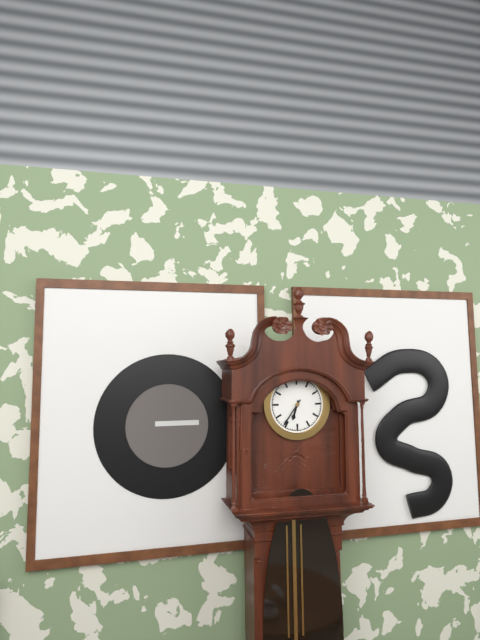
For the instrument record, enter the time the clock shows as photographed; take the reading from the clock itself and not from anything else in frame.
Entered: 6:36
